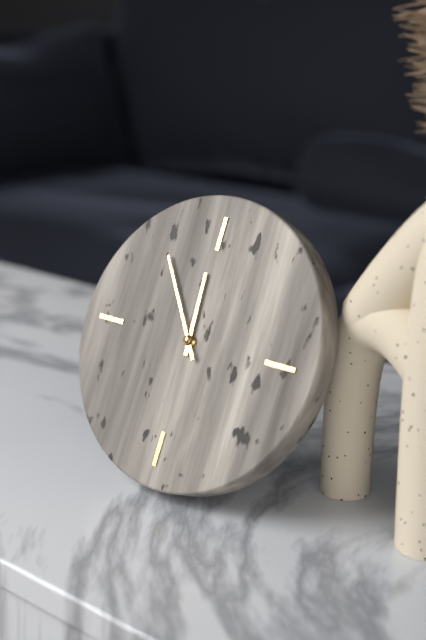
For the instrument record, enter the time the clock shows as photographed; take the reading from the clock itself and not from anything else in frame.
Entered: 11:54
